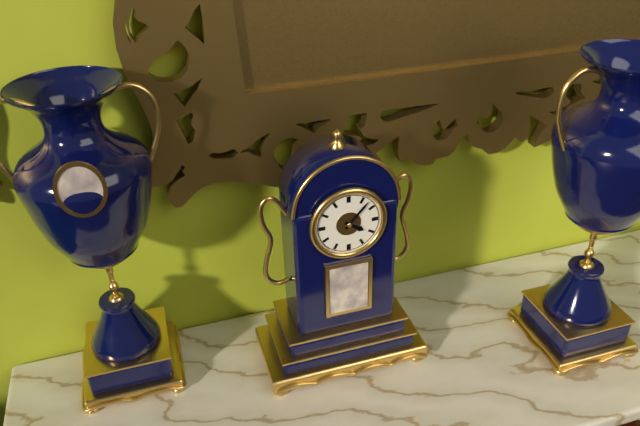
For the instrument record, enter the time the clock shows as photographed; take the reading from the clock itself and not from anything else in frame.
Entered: 4:07
